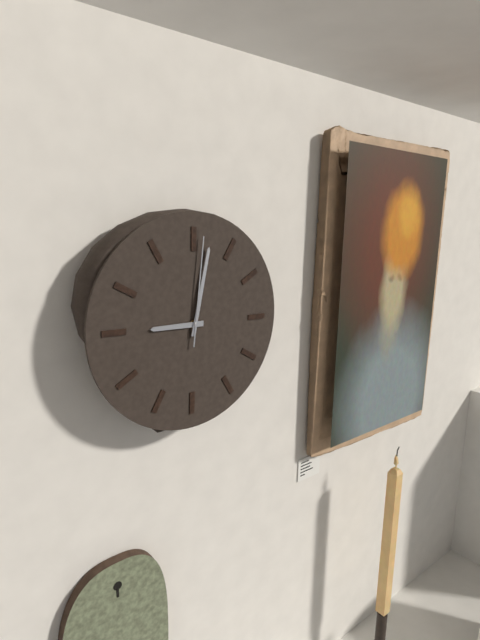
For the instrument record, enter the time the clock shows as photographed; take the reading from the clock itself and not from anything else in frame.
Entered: 9:02:01
